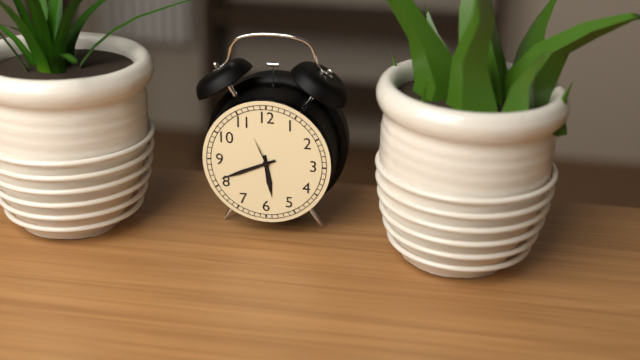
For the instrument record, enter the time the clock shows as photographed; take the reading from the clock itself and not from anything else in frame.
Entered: 5:41
